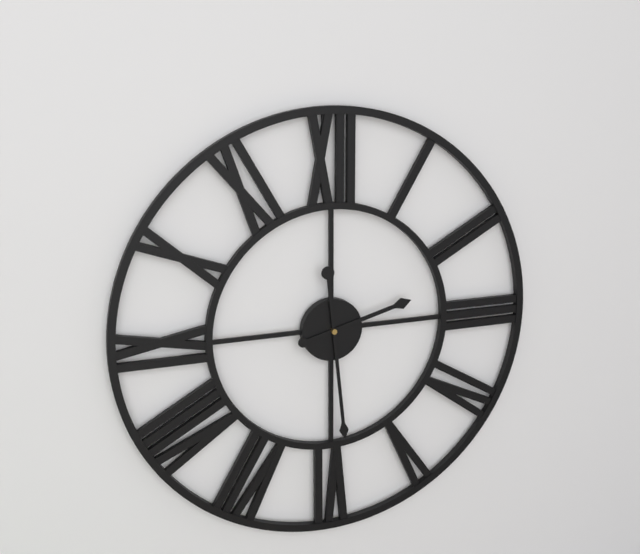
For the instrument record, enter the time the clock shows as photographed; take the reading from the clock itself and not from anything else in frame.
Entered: 2:29
